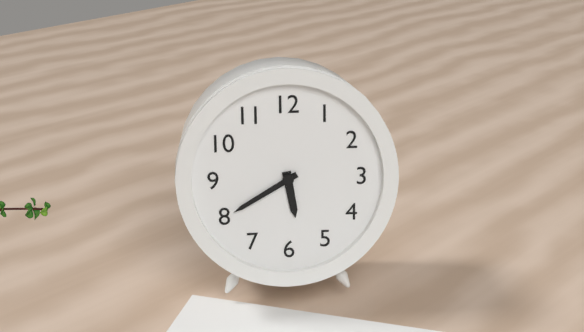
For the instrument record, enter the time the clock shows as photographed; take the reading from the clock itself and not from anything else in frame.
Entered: 5:40
